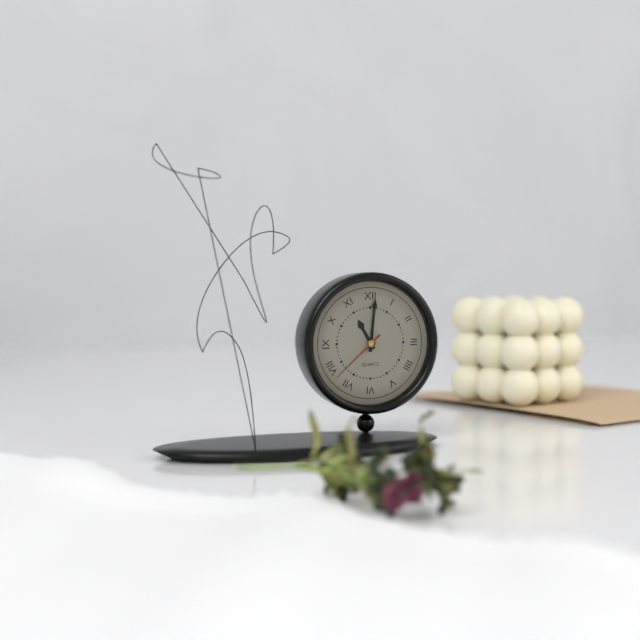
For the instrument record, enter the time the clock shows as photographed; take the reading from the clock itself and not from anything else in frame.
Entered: 11:01:38
